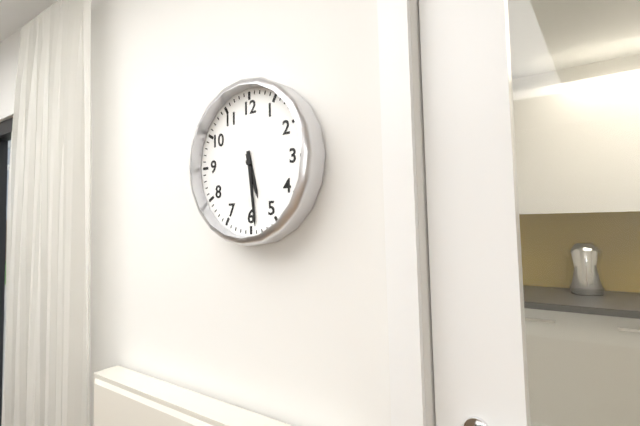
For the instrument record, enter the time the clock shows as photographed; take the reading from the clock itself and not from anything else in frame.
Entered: 5:29
